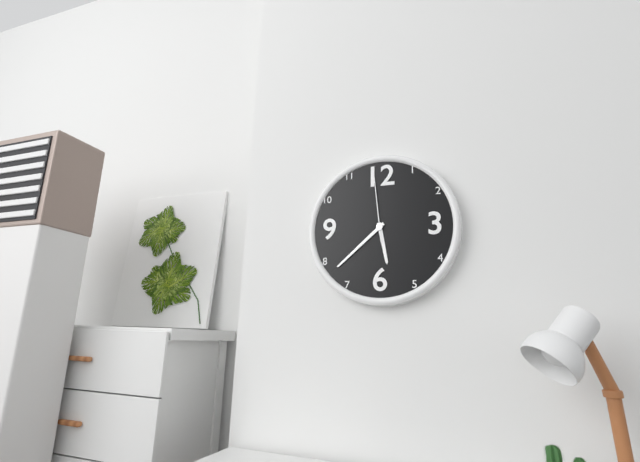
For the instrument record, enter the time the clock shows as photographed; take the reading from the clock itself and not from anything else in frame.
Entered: 5:38:59
